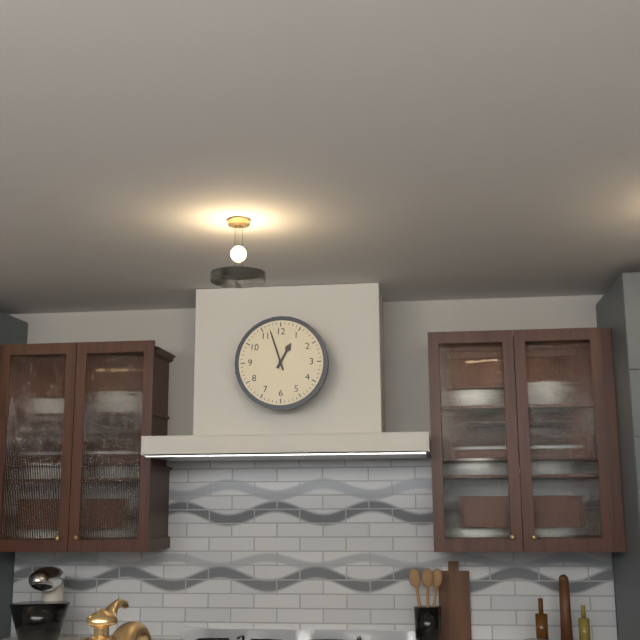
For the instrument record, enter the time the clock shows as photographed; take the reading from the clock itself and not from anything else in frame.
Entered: 12:57
